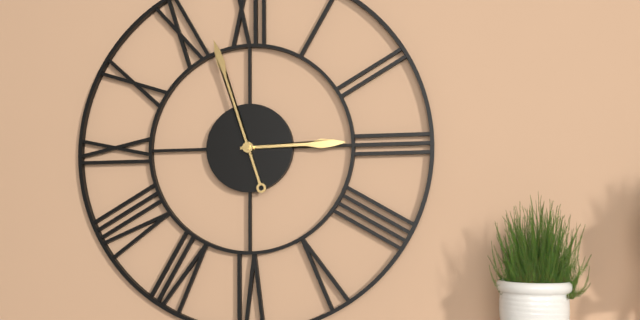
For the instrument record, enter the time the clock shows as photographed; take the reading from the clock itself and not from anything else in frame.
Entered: 2:57
